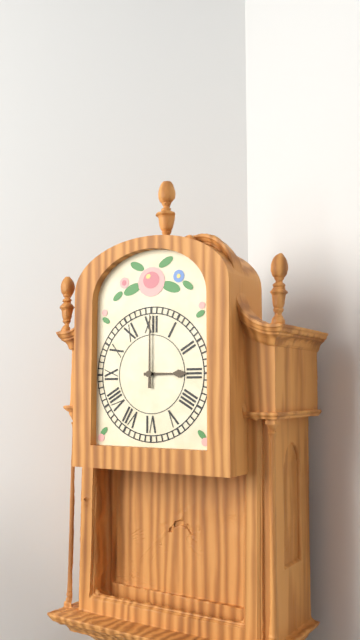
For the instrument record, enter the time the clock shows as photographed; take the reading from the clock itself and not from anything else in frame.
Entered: 3:00
